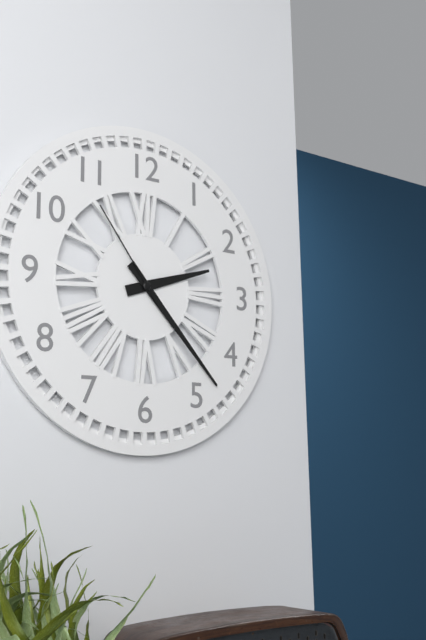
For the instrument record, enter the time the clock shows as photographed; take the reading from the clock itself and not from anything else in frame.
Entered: 2:23:54
